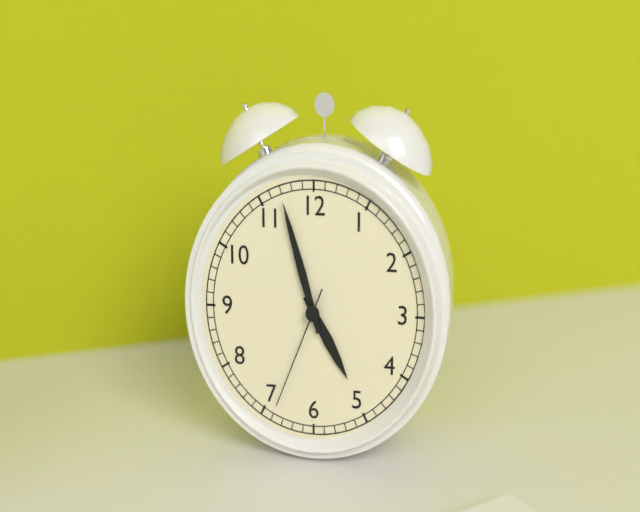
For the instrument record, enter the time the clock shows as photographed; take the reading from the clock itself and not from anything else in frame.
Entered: 4:57:34
